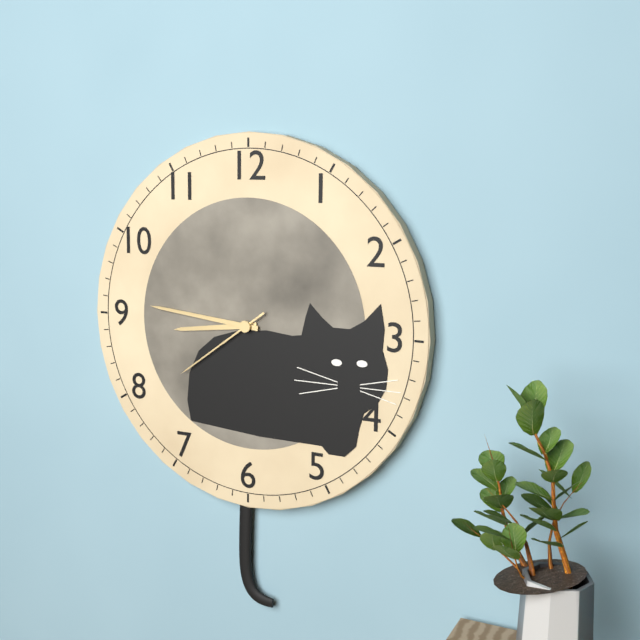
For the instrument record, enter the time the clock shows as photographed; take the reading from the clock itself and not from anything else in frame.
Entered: 8:46:39
